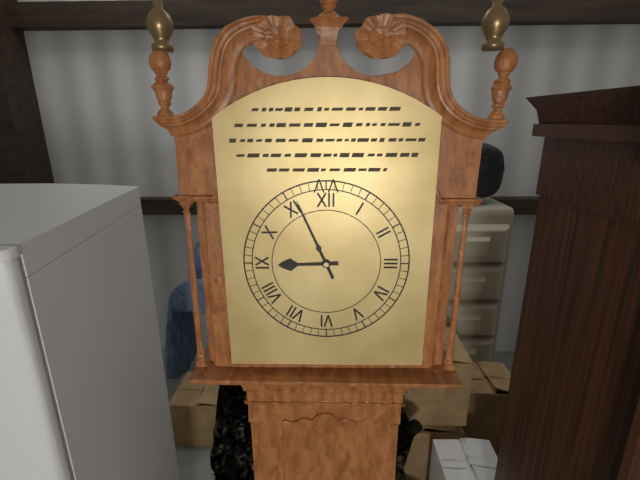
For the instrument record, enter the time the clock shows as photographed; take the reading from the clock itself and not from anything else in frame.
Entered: 8:56
